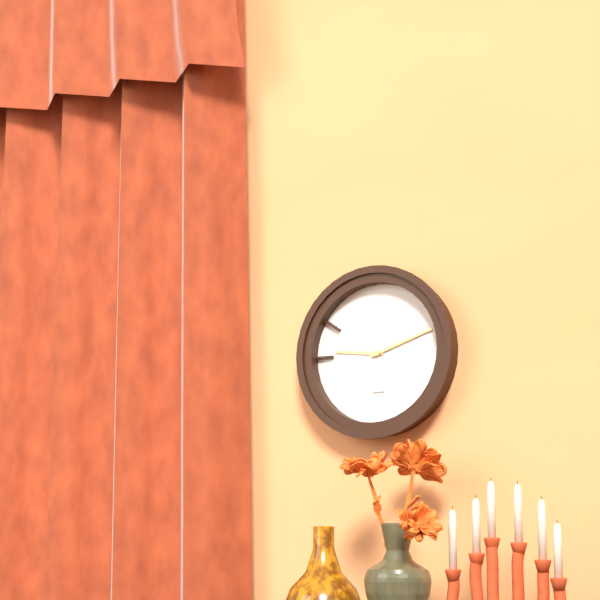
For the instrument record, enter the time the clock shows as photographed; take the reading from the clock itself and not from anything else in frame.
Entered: 9:12
